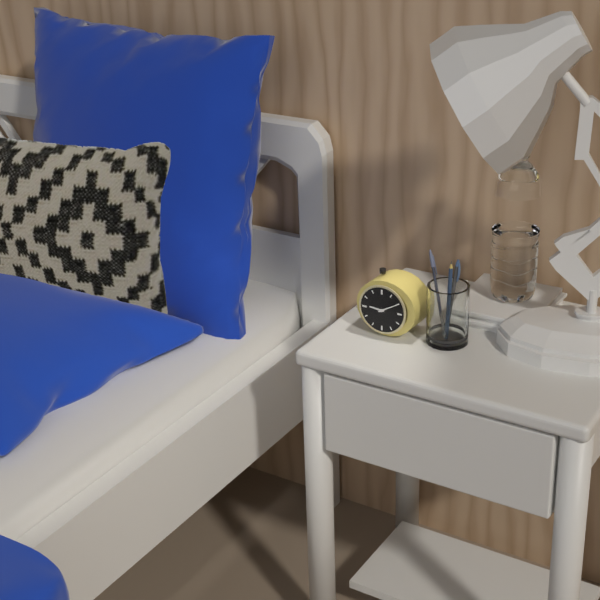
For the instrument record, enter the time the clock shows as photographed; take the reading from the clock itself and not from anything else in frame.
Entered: 9:10
